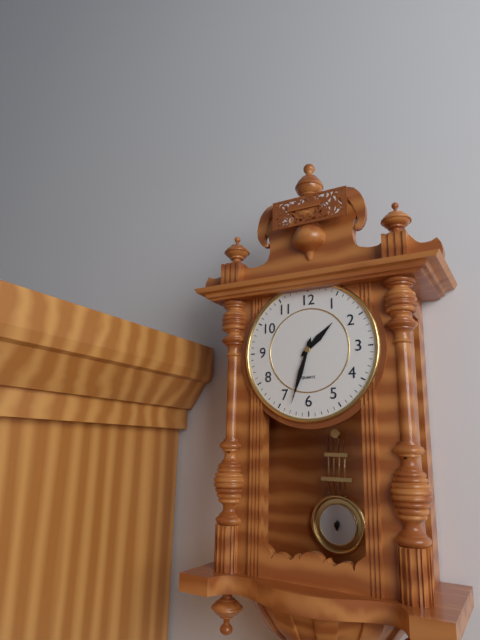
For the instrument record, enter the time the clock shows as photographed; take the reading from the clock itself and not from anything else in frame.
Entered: 1:33
